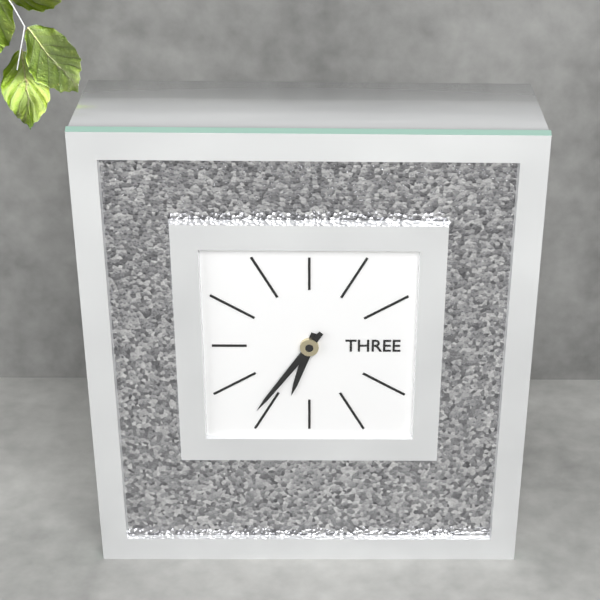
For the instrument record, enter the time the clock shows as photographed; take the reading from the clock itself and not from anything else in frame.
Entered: 6:36
